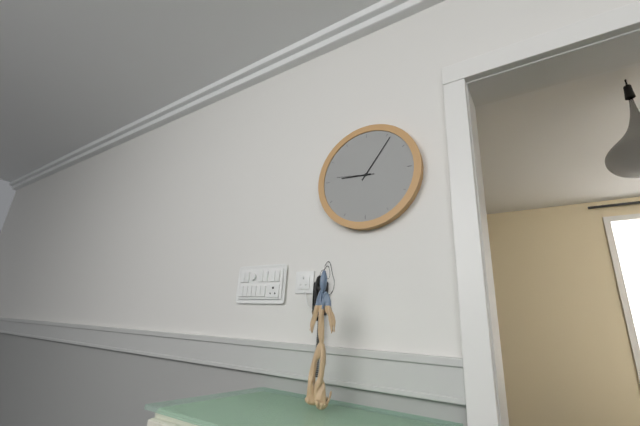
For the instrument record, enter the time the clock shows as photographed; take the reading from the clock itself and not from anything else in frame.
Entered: 9:06
